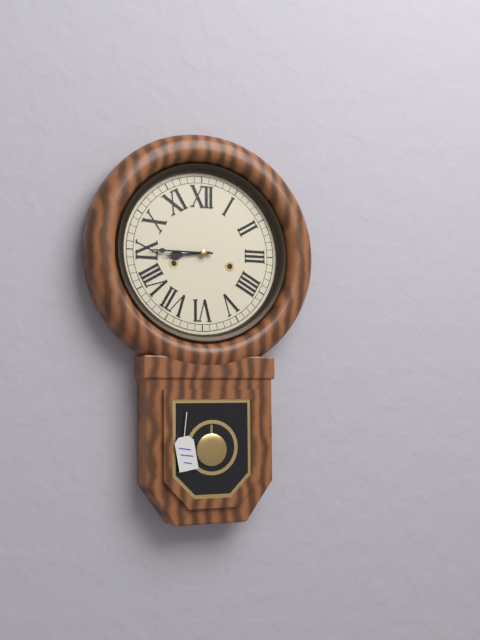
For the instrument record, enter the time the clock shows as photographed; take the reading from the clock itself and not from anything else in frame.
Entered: 8:45
